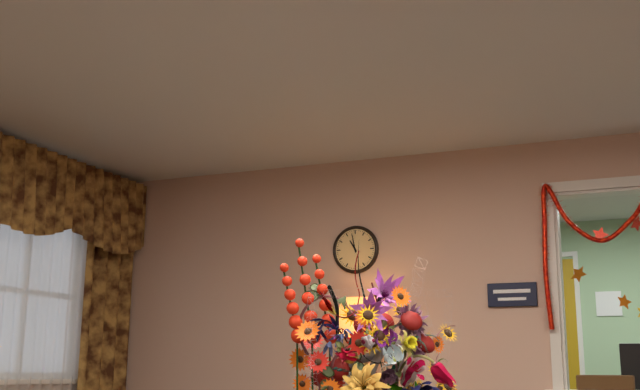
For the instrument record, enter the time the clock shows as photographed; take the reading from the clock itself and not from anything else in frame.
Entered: 10:58
